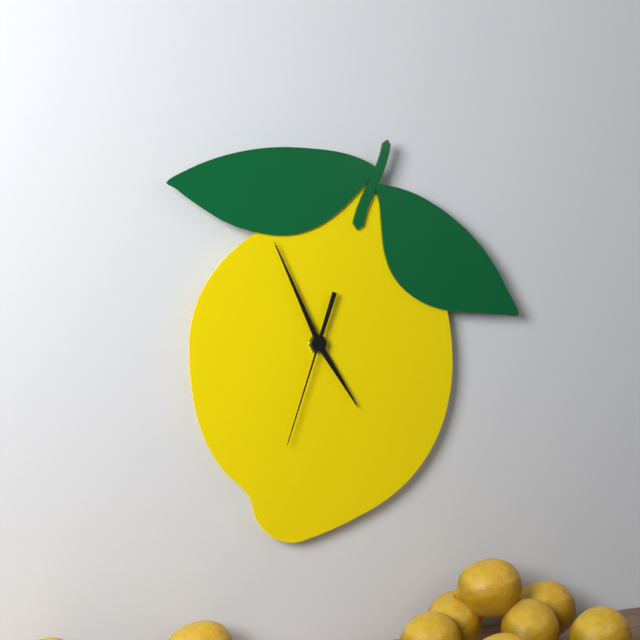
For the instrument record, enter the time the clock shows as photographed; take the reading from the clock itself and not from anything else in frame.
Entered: 4:56:33
